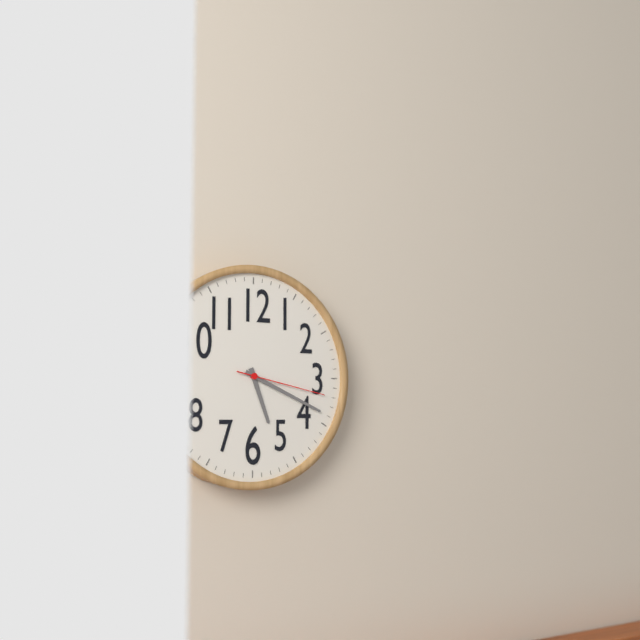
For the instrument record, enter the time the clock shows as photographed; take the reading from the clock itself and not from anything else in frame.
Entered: 5:19:17
